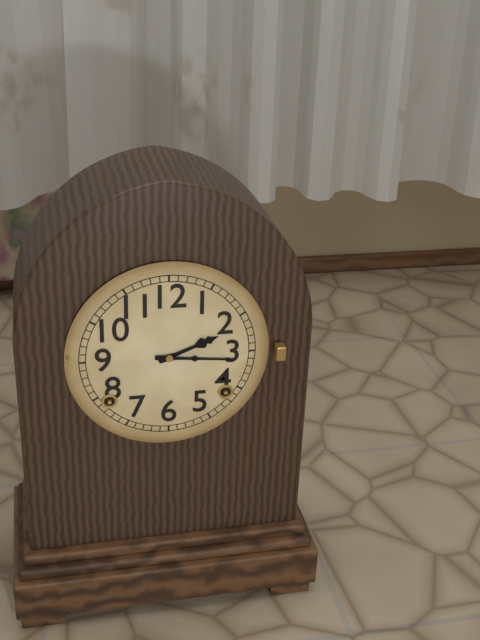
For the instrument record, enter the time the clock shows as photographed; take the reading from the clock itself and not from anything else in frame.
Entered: 2:16
